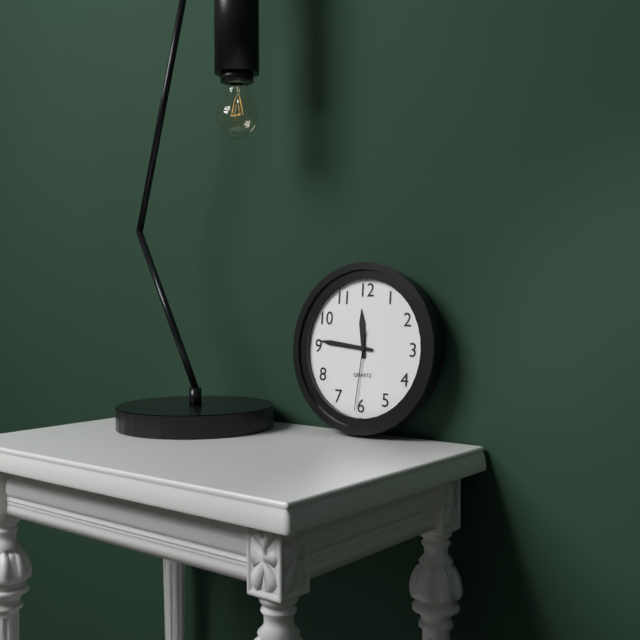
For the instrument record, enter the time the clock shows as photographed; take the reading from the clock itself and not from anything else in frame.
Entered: 11:46:31
